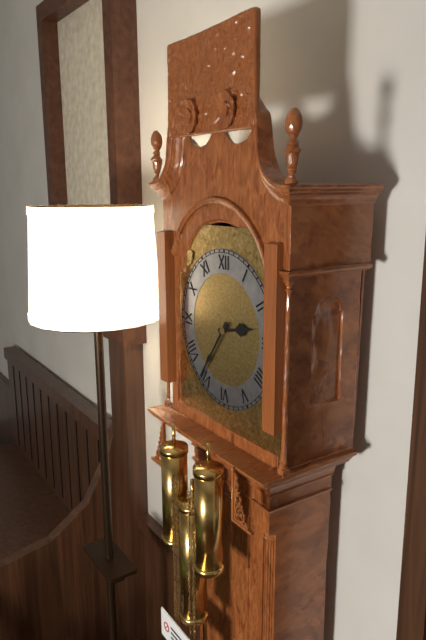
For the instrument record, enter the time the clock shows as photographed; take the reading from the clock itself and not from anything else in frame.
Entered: 2:36
